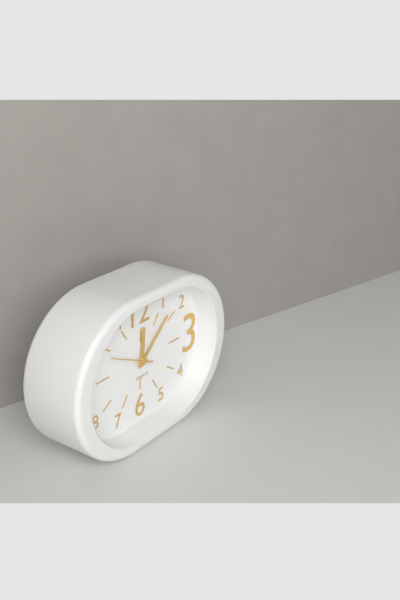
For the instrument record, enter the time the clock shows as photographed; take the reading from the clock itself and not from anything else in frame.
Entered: 12:08
